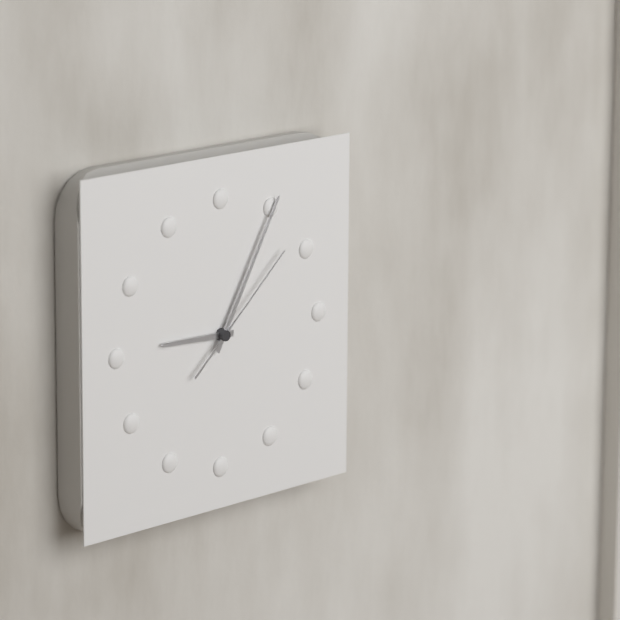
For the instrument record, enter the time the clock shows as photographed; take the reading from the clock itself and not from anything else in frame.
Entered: 9:05:08
